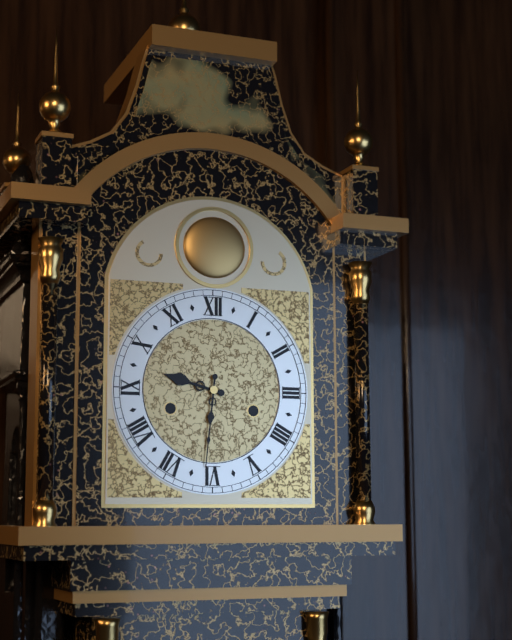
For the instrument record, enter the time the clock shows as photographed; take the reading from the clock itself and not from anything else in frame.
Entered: 9:31
